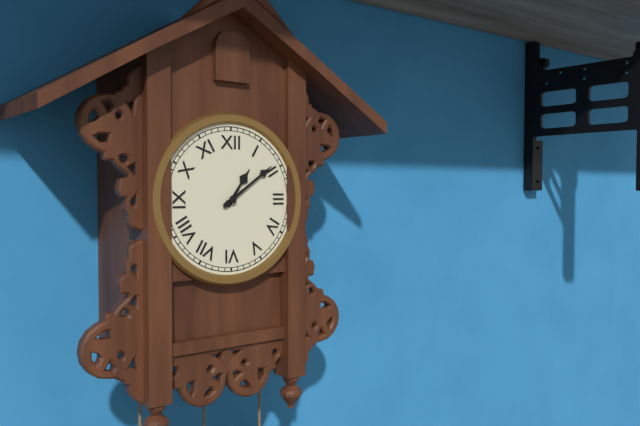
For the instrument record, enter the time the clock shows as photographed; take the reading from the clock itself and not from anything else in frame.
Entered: 1:09
